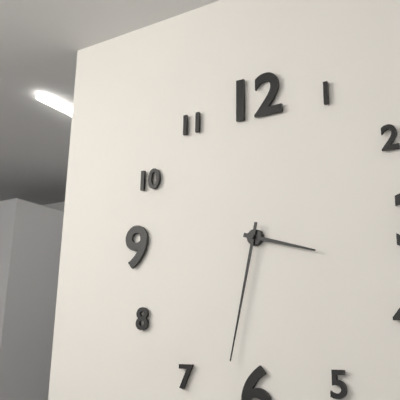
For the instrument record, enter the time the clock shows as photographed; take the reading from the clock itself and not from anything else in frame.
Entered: 3:32
